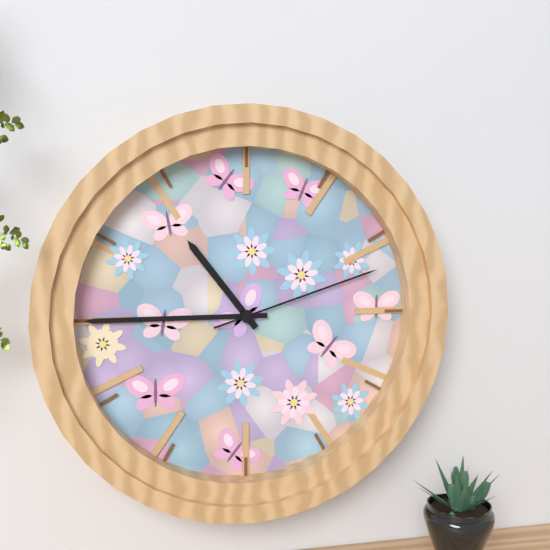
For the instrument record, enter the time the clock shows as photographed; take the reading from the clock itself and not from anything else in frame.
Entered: 10:45:12
